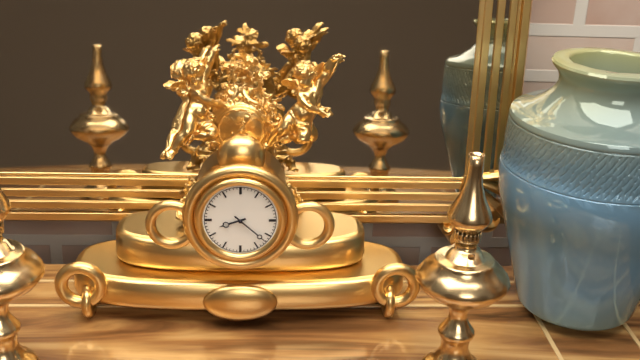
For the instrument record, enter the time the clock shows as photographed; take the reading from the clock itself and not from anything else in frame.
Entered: 8:22
